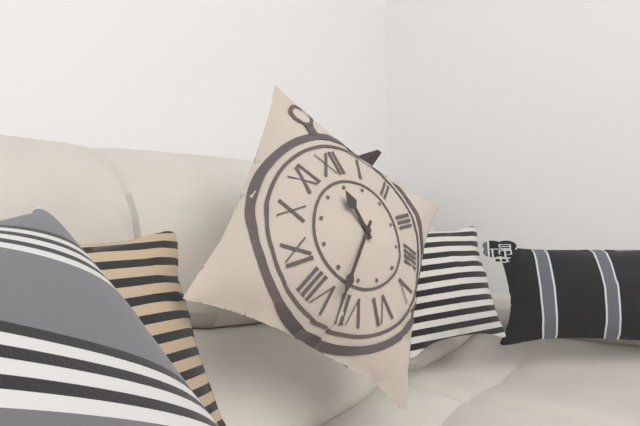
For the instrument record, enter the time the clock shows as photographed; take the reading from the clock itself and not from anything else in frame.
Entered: 11:38
